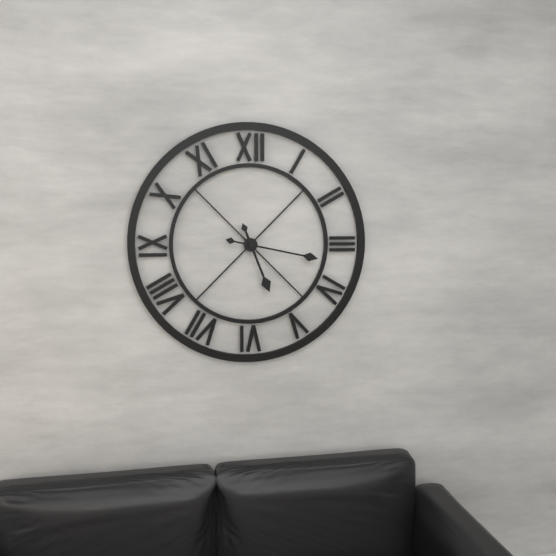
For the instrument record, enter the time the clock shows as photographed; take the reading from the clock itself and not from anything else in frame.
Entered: 5:17
